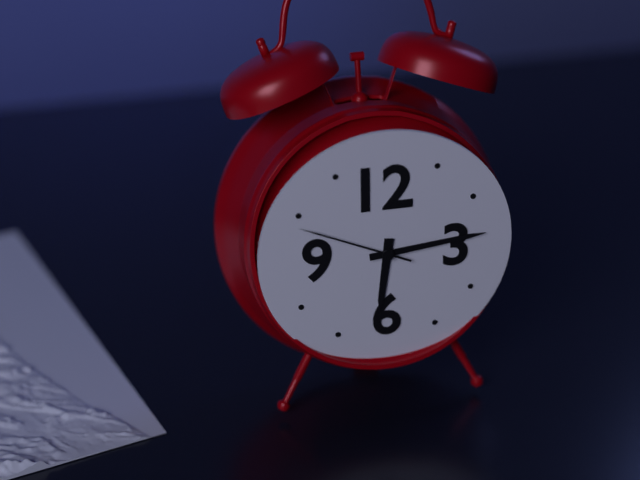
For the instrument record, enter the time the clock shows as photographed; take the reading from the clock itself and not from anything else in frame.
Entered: 6:14:49
